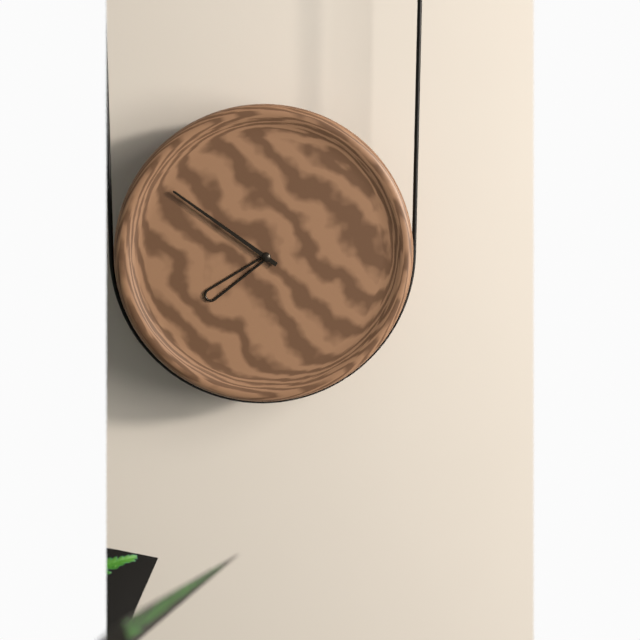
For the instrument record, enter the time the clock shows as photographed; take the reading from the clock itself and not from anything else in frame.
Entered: 7:51
